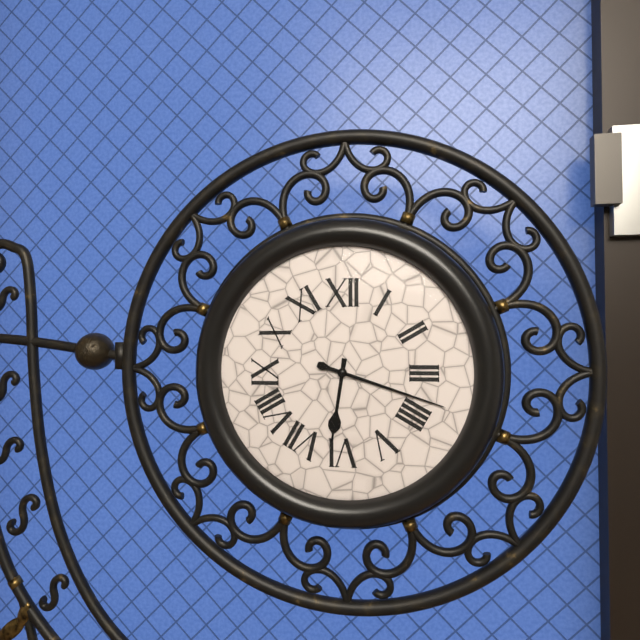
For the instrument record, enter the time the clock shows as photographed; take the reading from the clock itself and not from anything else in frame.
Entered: 6:18
